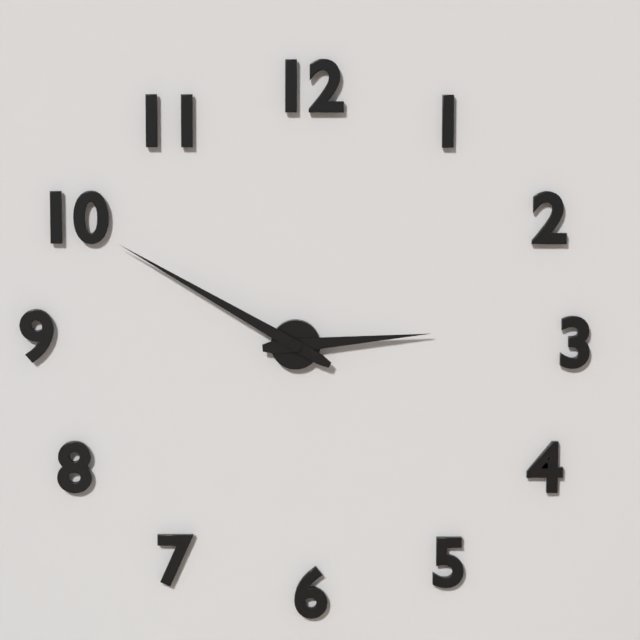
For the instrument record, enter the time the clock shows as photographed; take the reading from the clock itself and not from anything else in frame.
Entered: 2:50
